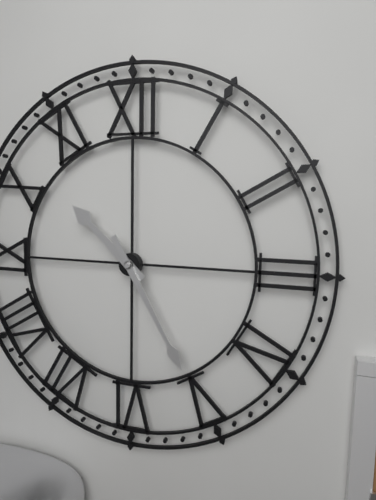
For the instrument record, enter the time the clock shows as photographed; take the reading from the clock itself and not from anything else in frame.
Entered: 10:25
